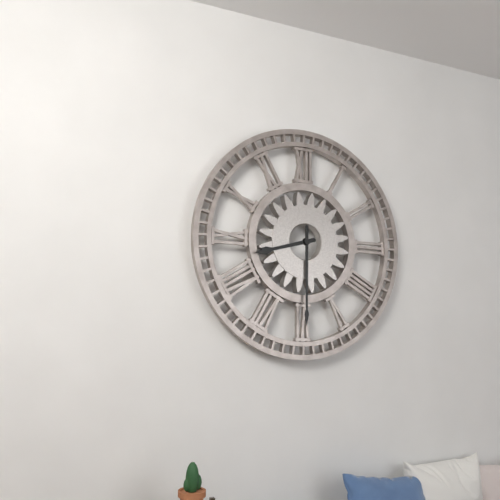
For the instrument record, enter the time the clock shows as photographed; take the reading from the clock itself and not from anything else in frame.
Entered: 8:30
